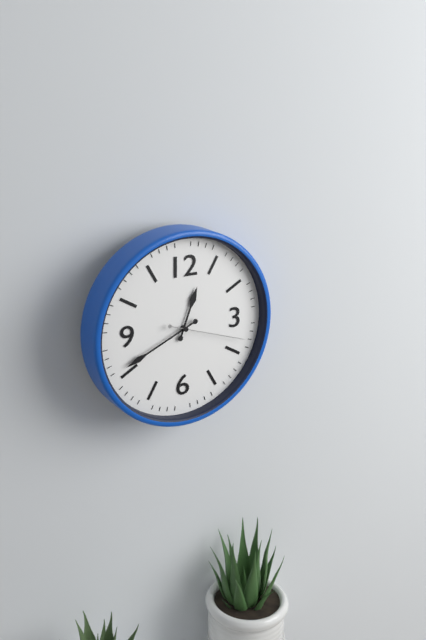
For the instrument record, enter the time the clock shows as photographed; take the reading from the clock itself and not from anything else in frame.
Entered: 12:41:18
